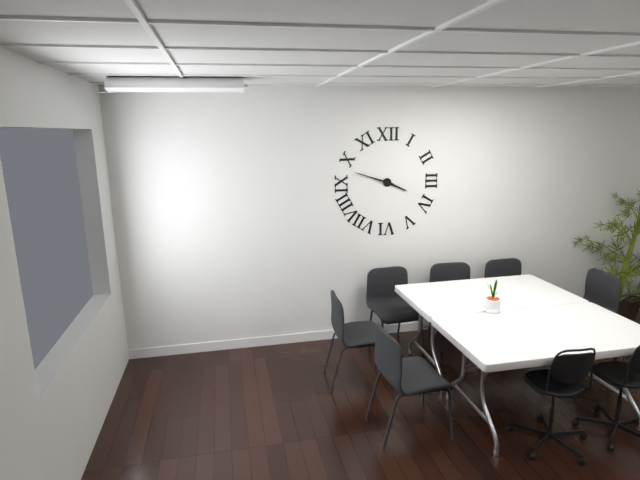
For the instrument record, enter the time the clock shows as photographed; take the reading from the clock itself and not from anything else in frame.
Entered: 3:48
